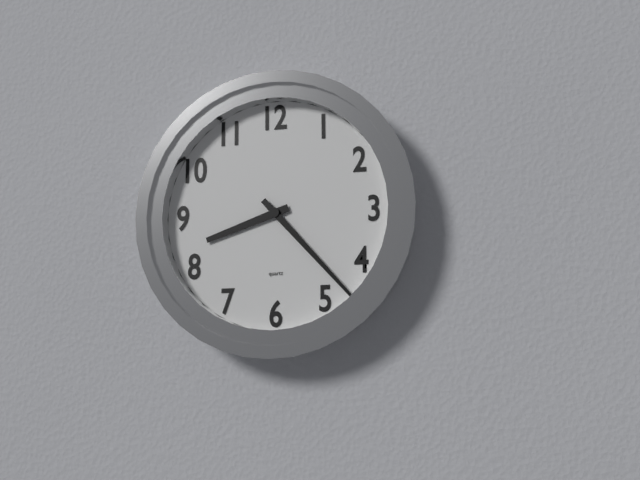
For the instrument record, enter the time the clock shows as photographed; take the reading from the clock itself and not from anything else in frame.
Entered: 8:23
